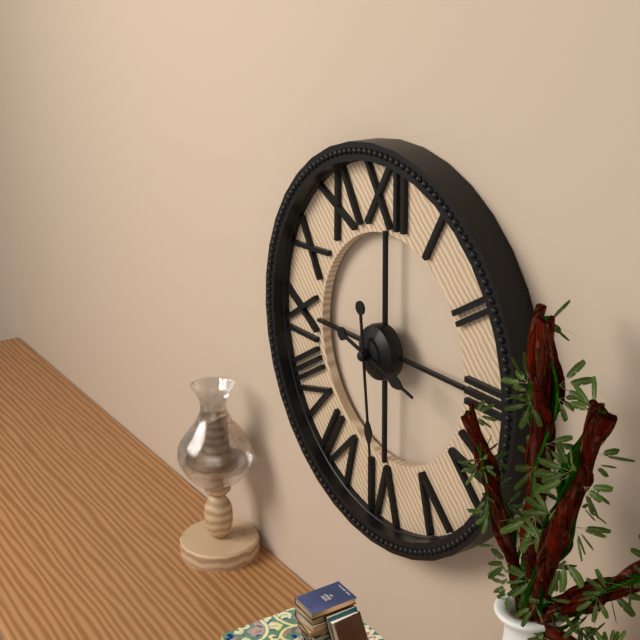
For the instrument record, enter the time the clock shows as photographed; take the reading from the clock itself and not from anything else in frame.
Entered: 3:29
